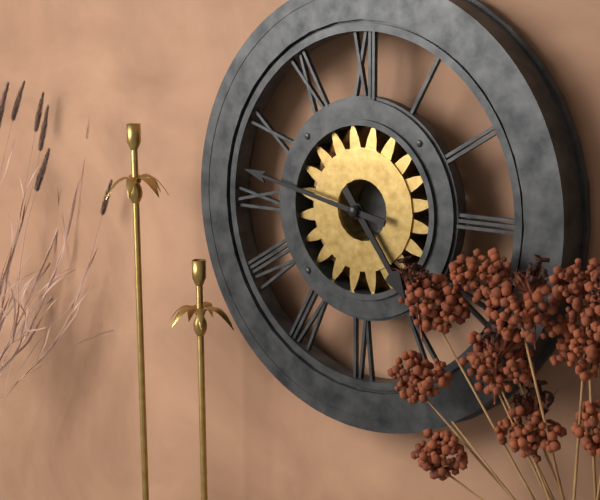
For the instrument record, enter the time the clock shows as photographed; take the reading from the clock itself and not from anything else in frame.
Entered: 4:47
